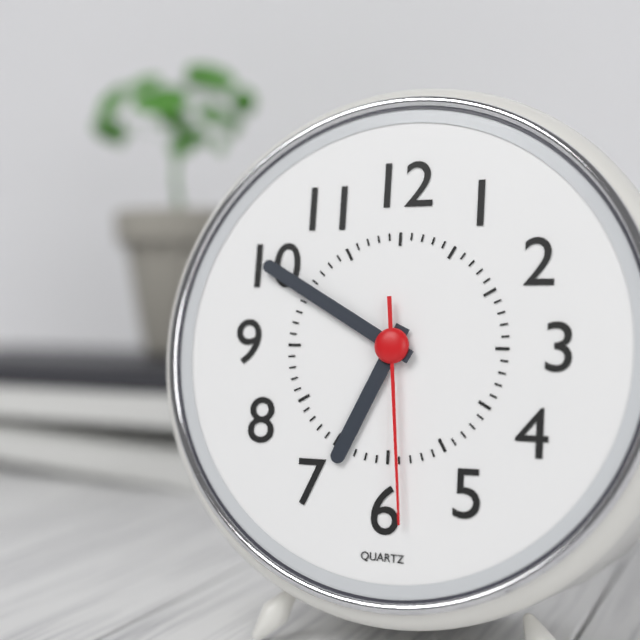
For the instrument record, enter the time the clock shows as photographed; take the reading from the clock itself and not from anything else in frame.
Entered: 6:50:29
